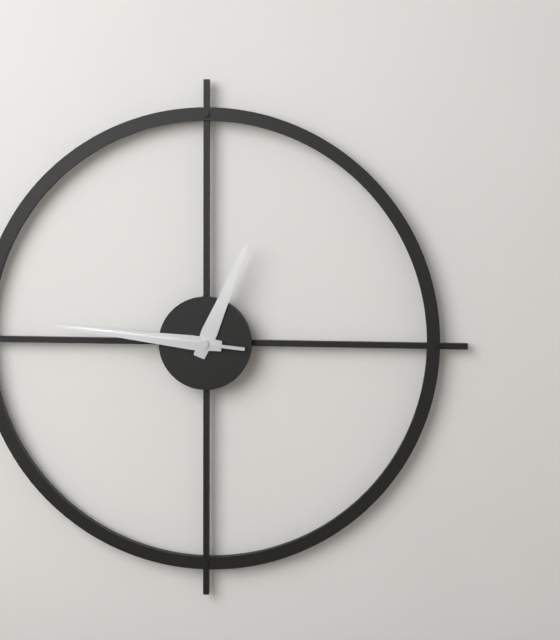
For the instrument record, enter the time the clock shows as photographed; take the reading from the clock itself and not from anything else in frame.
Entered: 12:46:46
